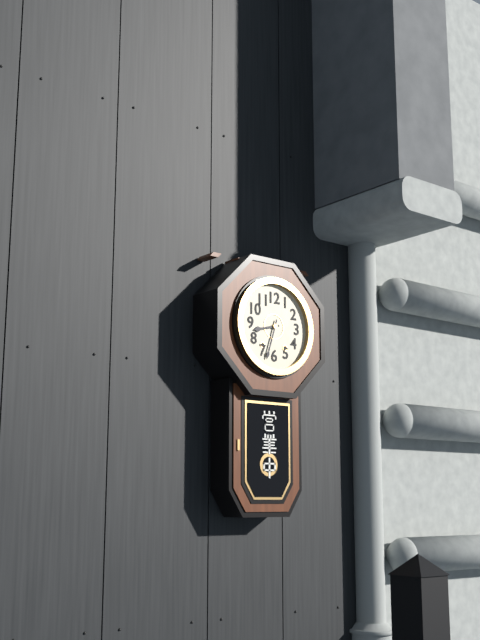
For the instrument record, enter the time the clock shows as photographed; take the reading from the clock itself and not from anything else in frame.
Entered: 8:33
